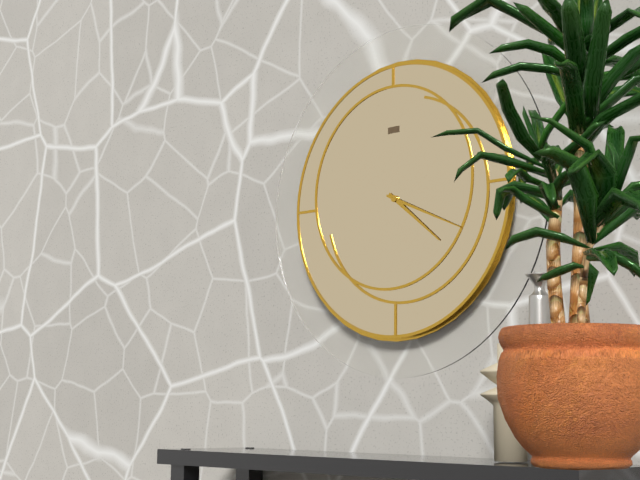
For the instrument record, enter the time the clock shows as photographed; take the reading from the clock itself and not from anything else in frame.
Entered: 4:19
